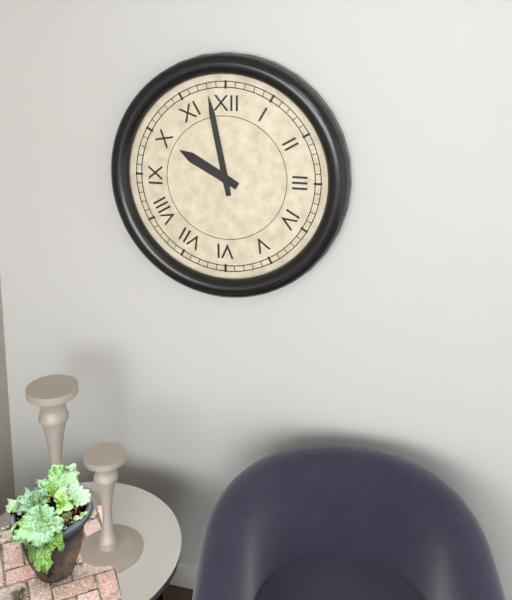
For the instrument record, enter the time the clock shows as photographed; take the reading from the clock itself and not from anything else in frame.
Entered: 9:58
